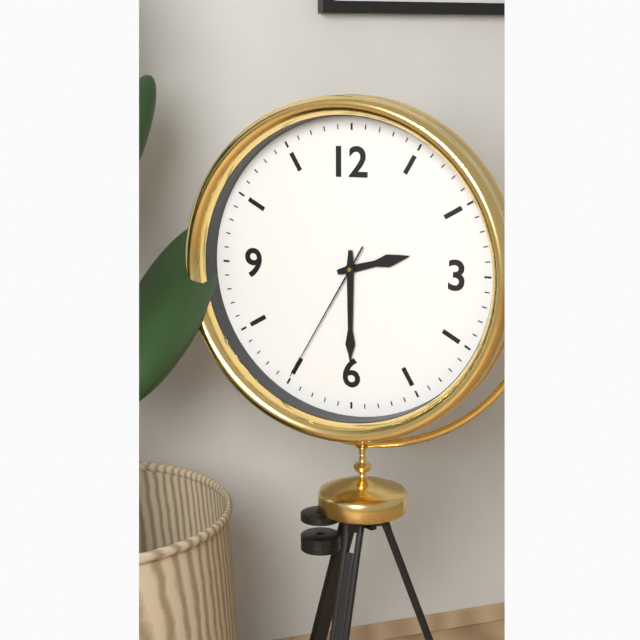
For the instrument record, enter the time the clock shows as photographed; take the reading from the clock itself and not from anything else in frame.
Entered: 2:30:35
